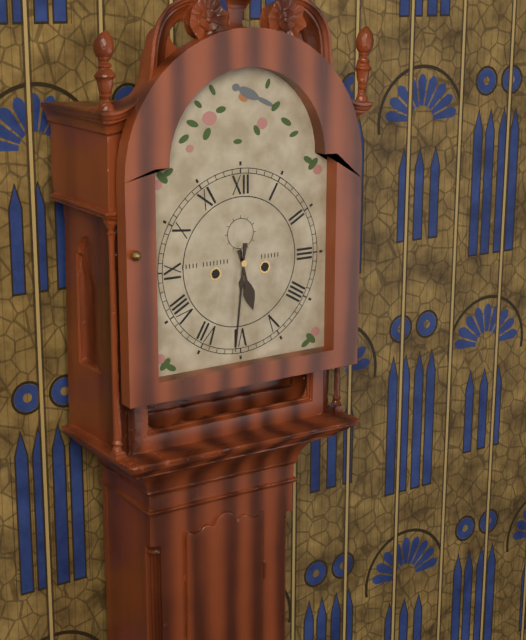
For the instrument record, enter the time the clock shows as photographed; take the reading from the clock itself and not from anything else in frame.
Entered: 5:31
